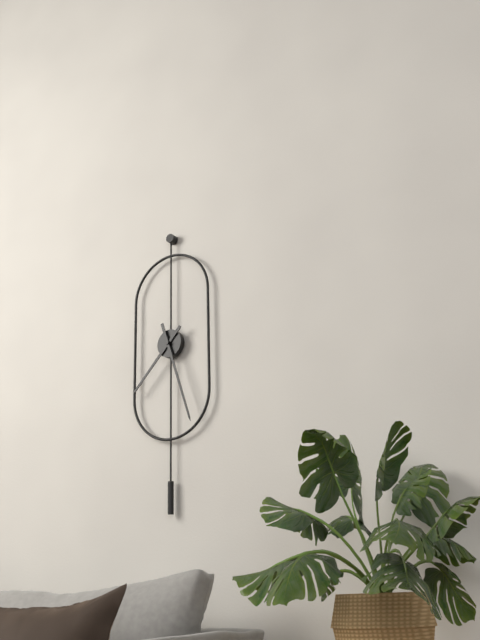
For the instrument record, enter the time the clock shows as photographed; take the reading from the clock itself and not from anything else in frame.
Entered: 7:27
